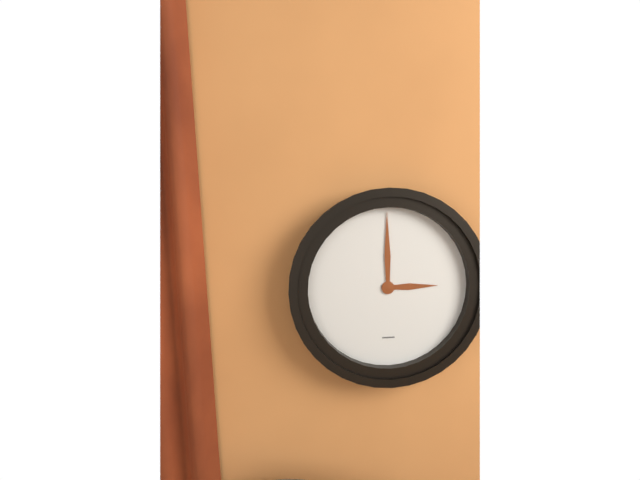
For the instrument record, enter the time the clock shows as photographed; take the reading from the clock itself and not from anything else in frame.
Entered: 3:00
